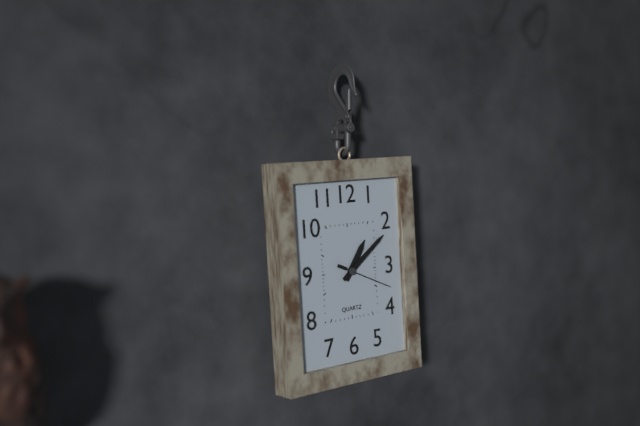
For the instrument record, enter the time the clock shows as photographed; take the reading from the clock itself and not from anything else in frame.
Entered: 1:09:19
